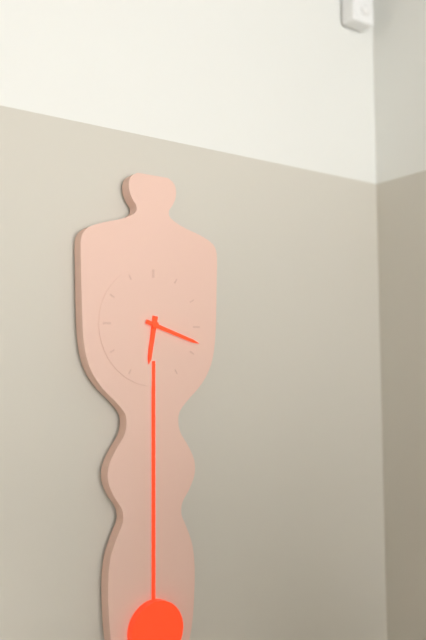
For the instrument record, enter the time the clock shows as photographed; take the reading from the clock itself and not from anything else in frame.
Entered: 6:18
